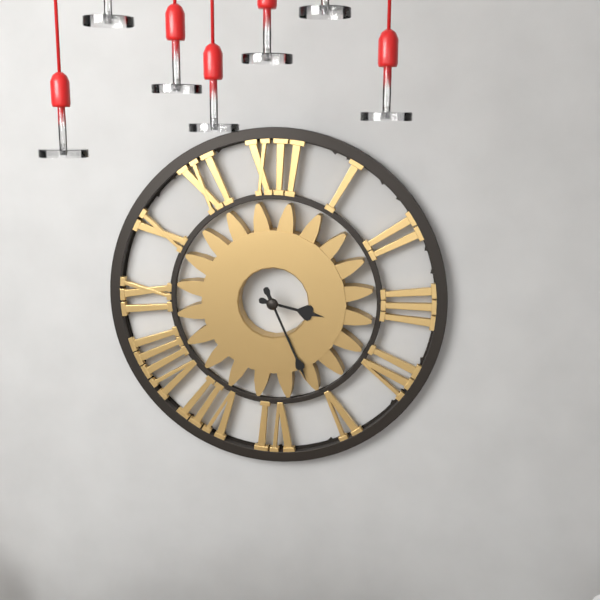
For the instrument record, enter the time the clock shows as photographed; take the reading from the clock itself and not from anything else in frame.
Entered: 3:26
